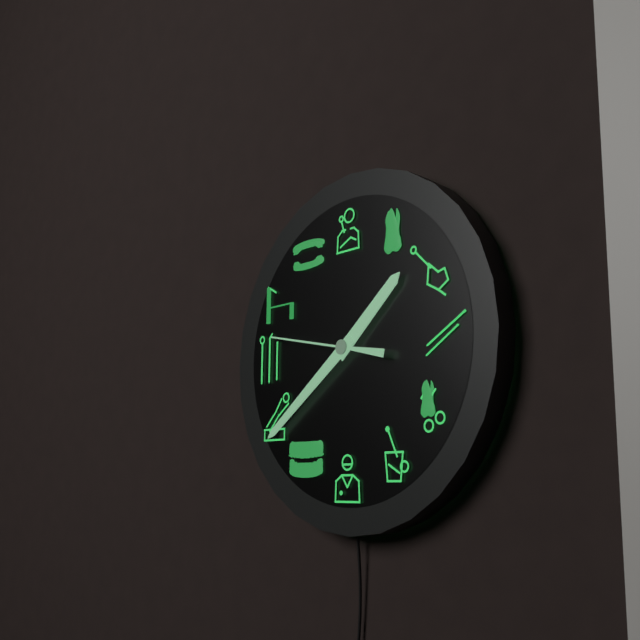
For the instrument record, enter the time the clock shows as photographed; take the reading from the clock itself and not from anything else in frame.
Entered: 1:39:47
